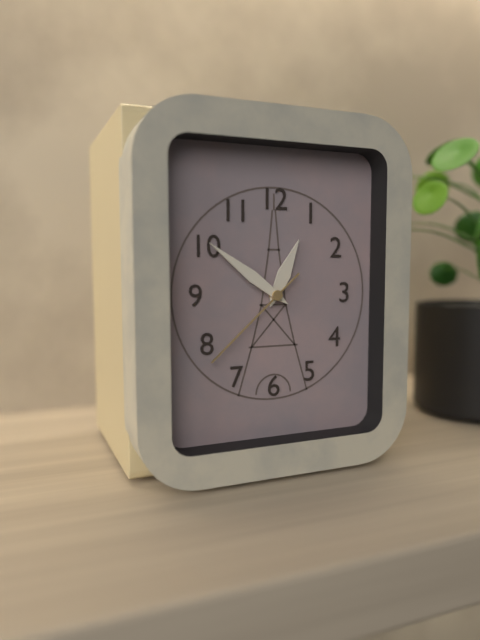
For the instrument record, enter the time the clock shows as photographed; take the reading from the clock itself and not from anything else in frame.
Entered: 12:51:38
